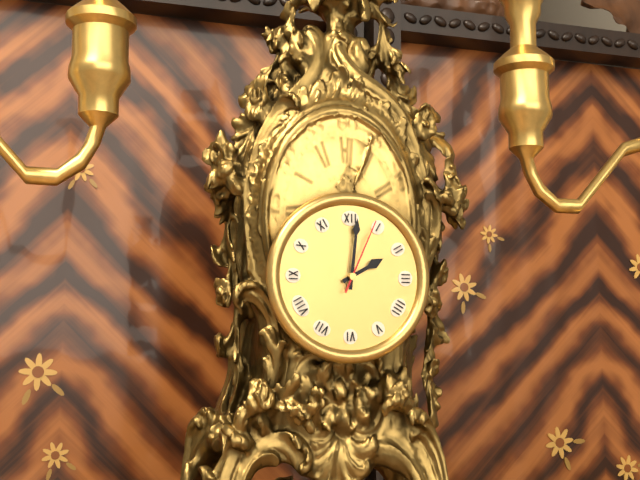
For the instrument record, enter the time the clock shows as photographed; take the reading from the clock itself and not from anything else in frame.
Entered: 2:01:04
